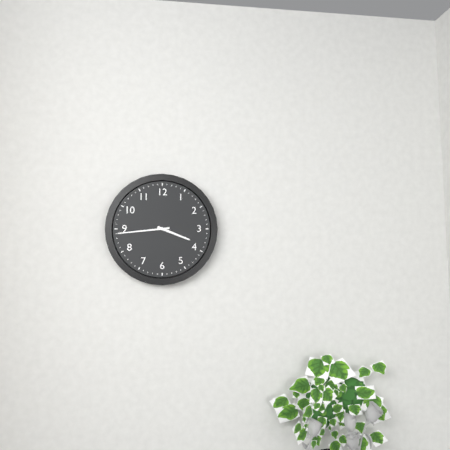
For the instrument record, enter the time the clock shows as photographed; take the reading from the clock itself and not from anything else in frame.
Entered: 3:44
